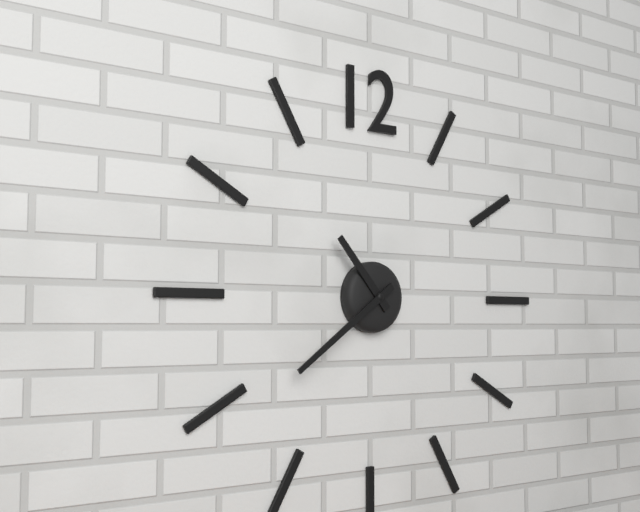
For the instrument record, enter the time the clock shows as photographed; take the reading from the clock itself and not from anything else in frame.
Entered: 10:39
